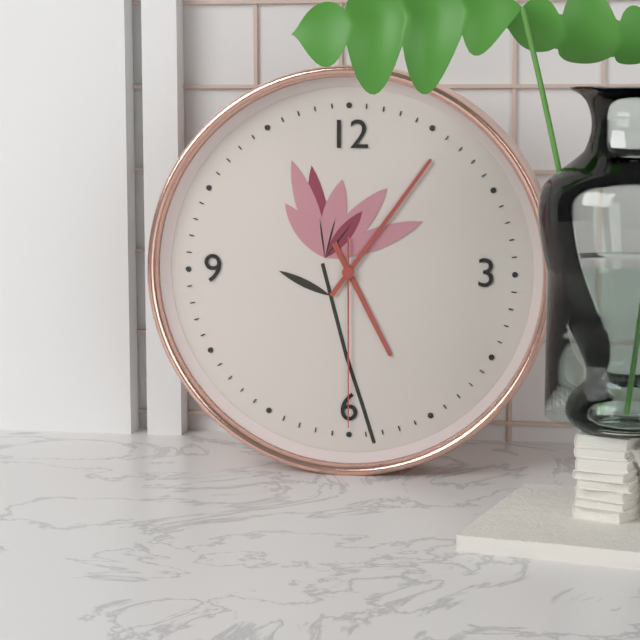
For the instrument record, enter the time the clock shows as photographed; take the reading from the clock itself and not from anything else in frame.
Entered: 5:06:30
